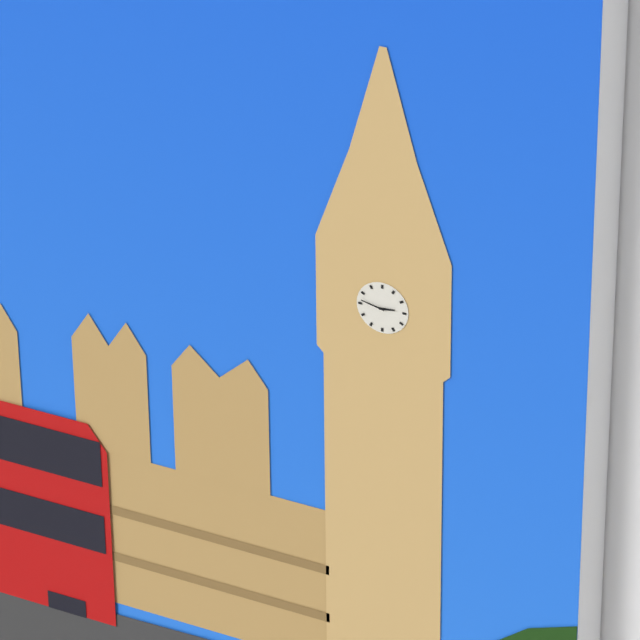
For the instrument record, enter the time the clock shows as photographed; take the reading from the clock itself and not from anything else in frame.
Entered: 2:47
